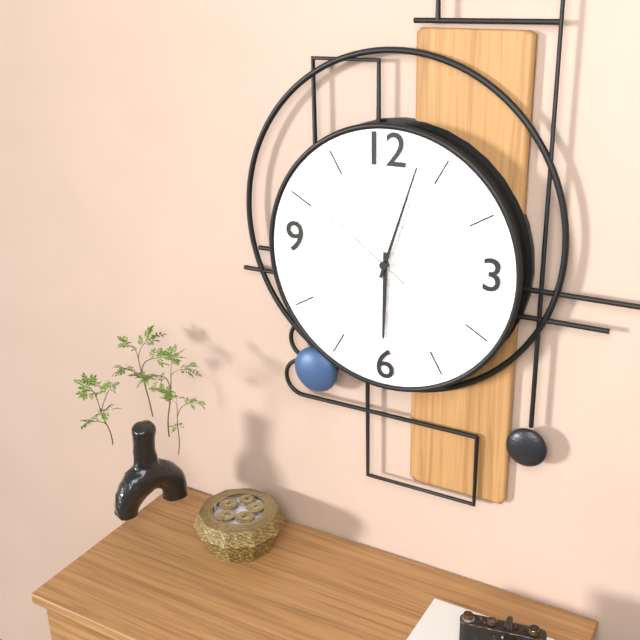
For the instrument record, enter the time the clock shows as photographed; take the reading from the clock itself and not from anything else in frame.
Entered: 6:03:51
